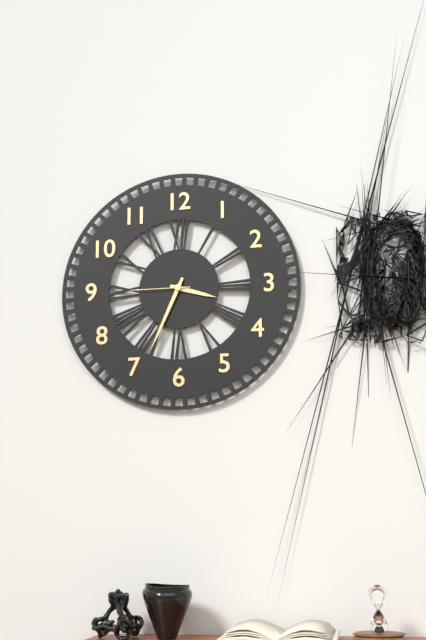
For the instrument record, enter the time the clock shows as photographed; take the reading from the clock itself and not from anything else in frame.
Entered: 3:34:45
